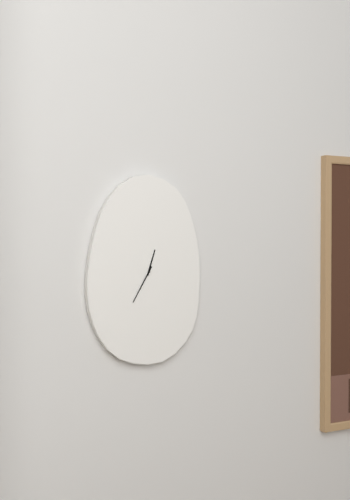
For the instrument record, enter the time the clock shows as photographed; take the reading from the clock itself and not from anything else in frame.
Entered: 12:35
